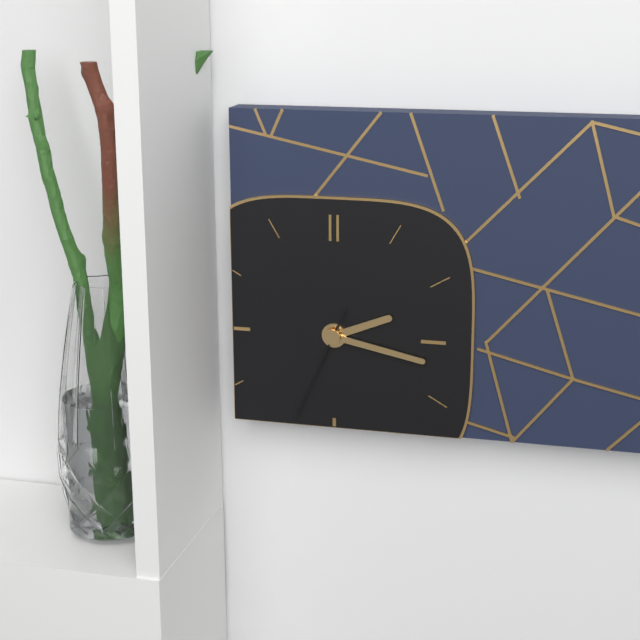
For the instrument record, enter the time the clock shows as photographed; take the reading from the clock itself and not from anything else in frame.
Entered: 2:17:34
